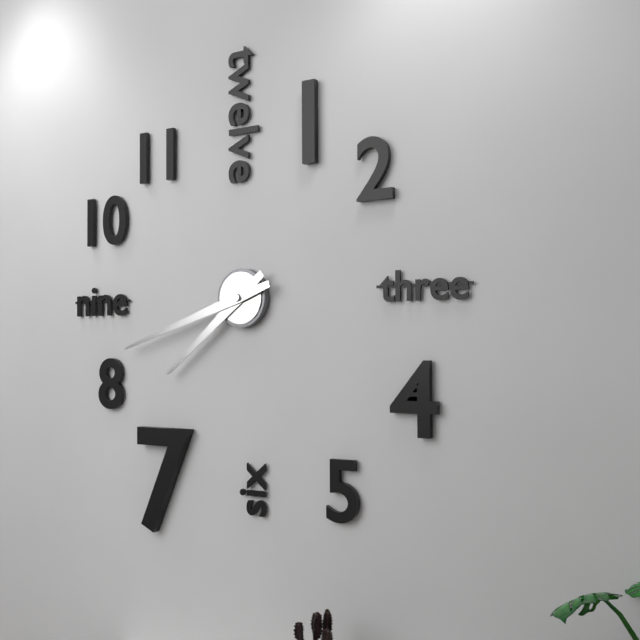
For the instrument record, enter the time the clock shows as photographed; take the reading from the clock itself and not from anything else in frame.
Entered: 7:42
